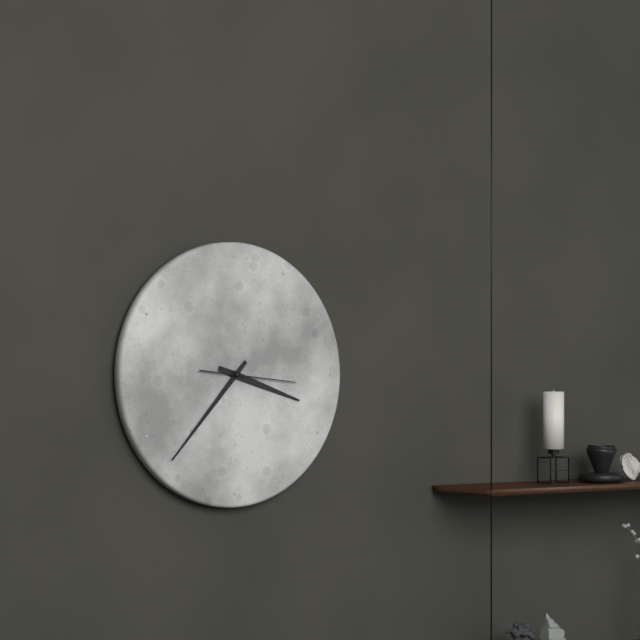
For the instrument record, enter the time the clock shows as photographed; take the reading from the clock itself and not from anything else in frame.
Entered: 3:37:16
